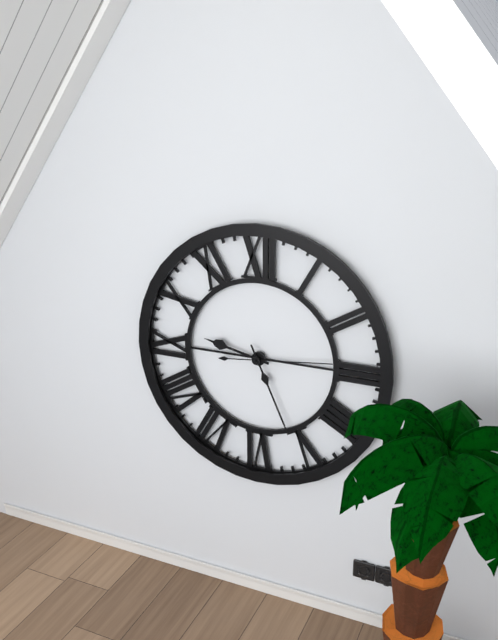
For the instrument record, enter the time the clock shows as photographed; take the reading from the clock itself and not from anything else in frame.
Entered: 9:26:14
